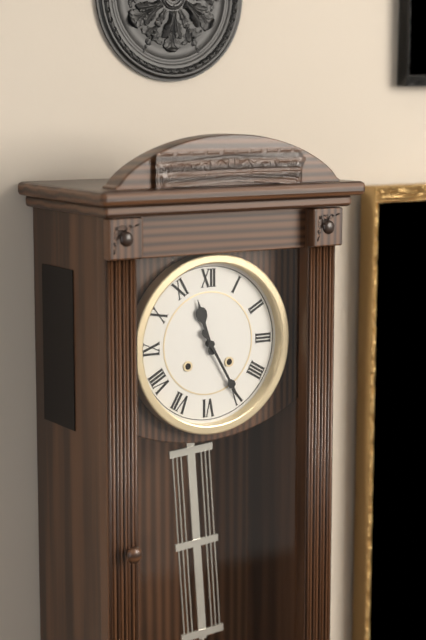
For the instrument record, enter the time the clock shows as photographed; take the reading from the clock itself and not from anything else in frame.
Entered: 11:25
